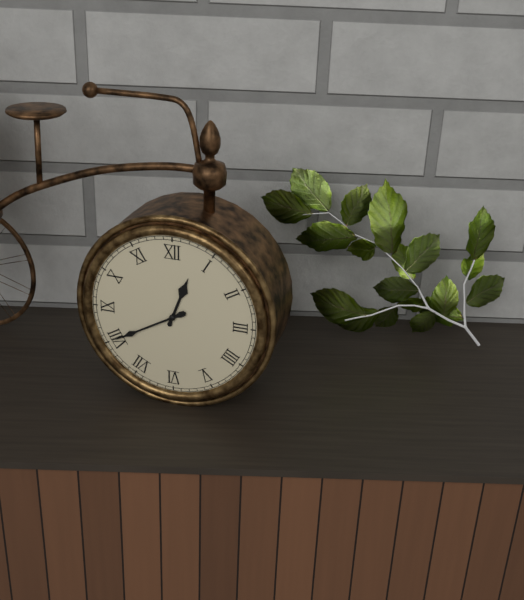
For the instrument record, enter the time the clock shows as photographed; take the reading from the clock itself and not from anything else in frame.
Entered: 12:40
